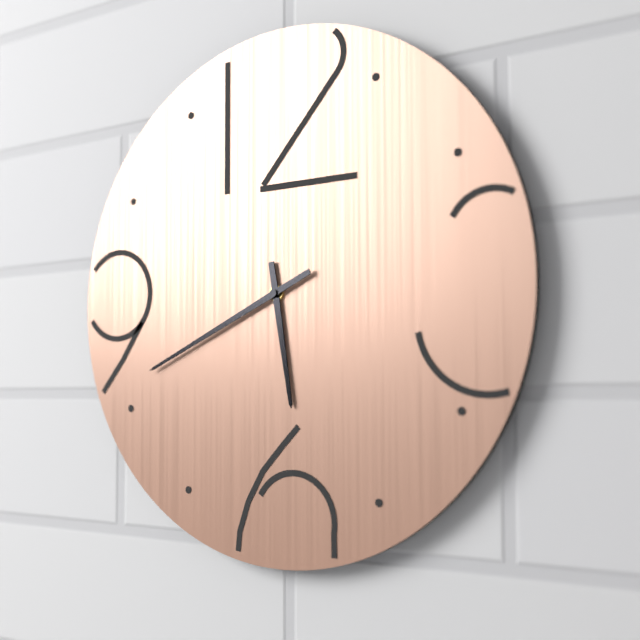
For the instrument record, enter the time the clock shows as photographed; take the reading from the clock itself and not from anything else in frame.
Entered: 5:41
